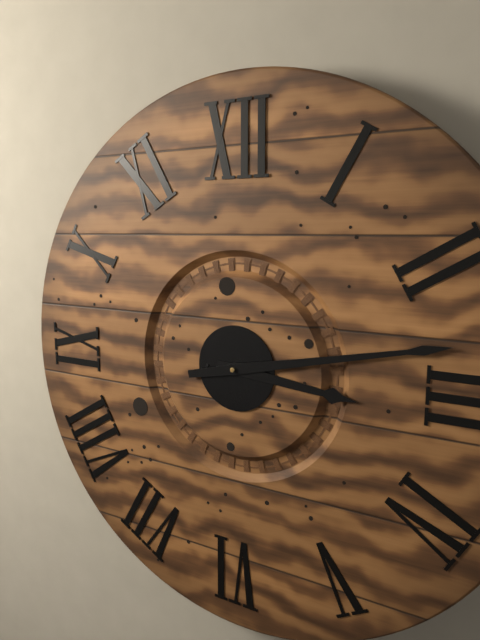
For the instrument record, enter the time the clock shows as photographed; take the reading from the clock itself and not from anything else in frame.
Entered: 3:13
